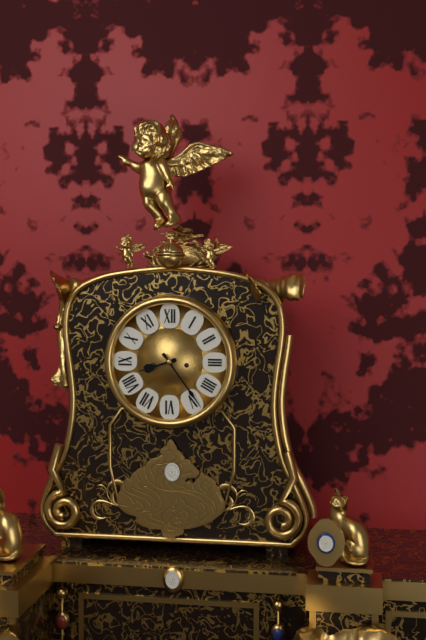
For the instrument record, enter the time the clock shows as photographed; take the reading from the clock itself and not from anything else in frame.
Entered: 8:24
